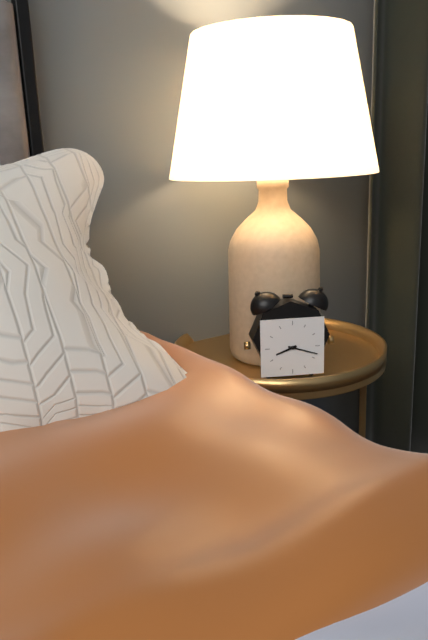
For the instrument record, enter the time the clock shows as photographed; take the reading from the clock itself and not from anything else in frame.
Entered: 8:18
